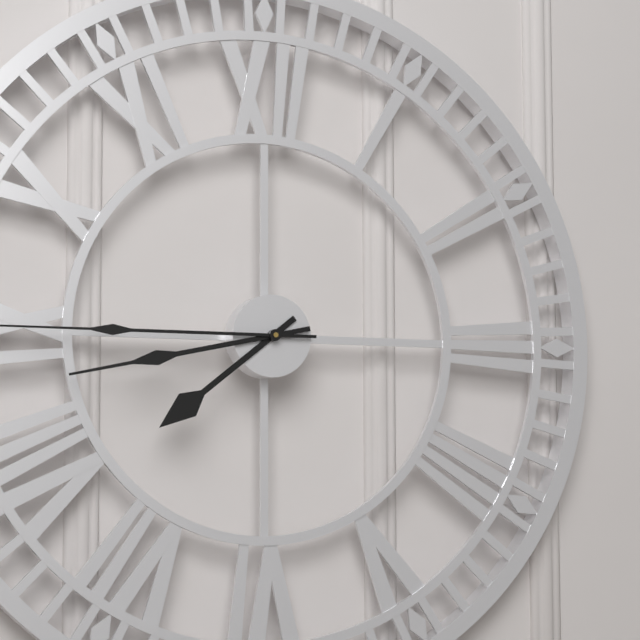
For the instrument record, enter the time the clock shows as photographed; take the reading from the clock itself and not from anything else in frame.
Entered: 7:43
